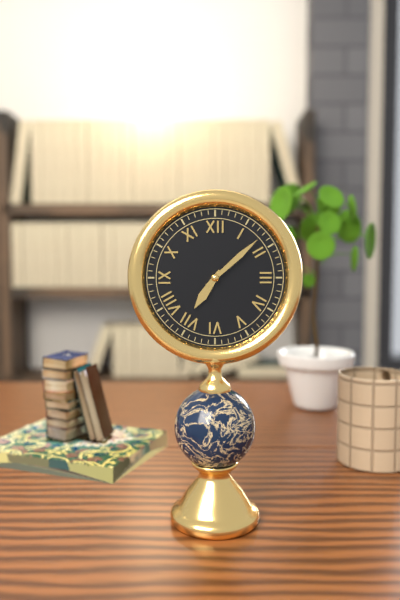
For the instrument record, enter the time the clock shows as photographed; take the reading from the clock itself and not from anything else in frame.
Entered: 7:08
